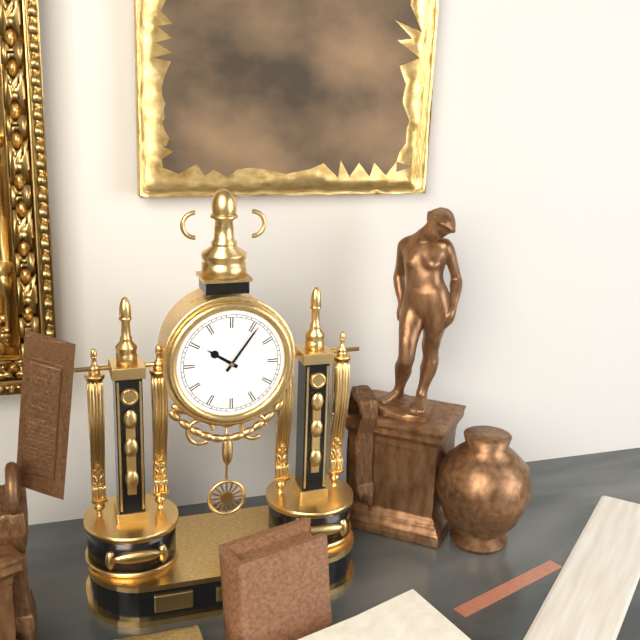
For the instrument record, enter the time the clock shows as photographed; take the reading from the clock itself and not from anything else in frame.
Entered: 10:06
